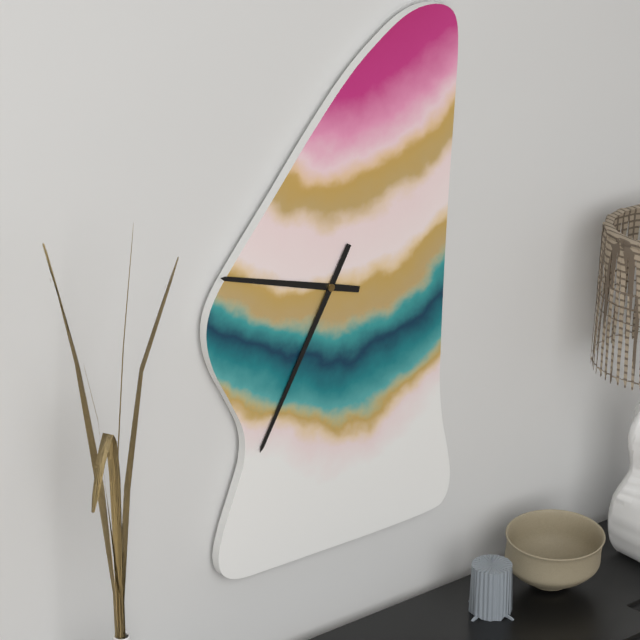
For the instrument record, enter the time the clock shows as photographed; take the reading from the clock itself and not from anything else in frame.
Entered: 9:35
